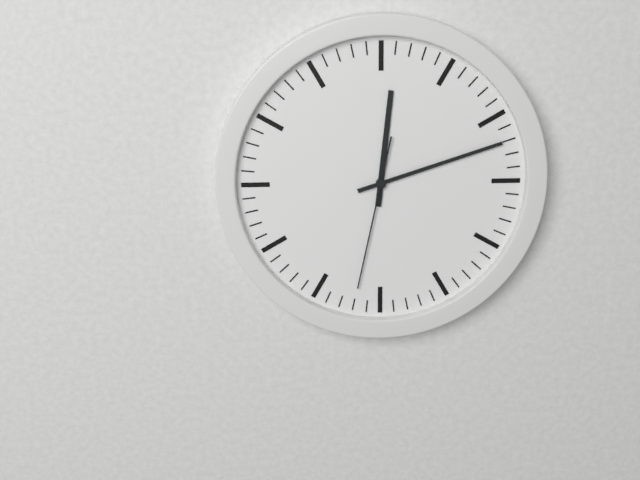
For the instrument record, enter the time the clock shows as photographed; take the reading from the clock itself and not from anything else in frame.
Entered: 12:12:32
